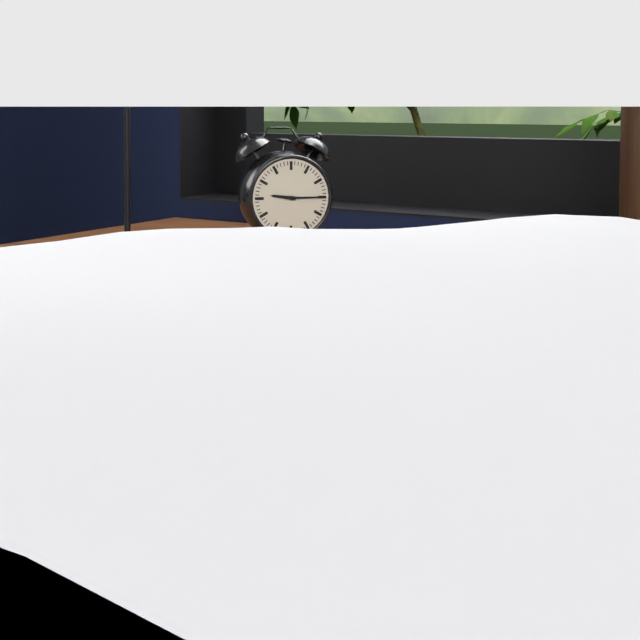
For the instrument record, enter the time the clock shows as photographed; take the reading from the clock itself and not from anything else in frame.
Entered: 9:15
